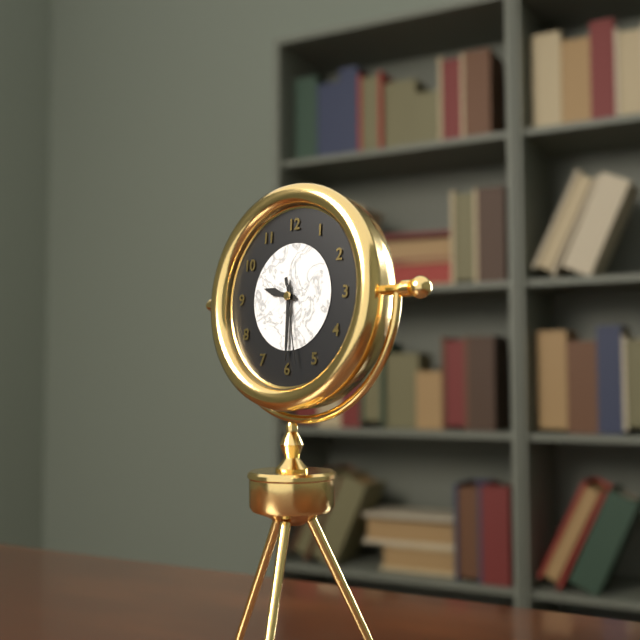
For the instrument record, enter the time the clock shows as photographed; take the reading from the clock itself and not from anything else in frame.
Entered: 9:30:28
